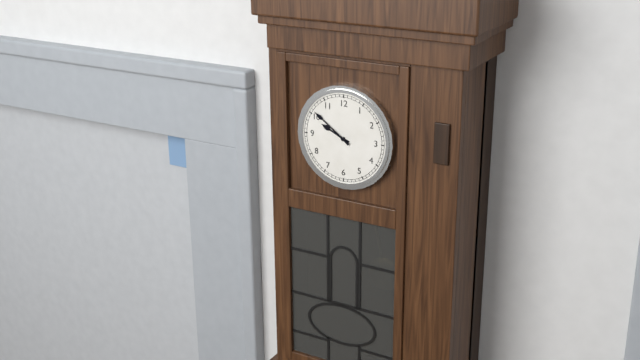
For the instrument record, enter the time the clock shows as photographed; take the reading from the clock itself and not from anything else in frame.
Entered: 9:51
